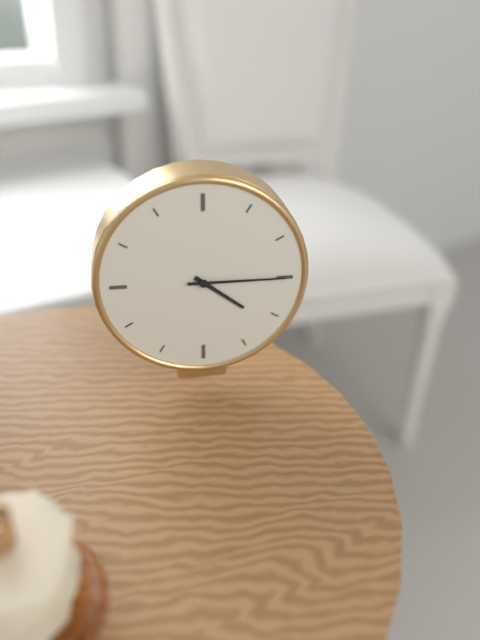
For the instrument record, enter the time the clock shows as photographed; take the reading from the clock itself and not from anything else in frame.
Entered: 4:15
